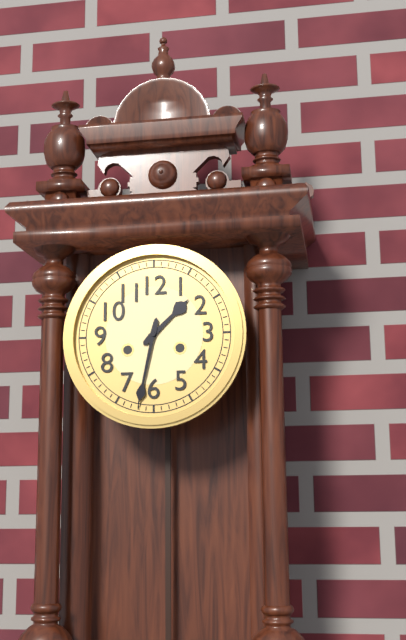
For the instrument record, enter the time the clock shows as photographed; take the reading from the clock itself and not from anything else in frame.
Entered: 1:32
